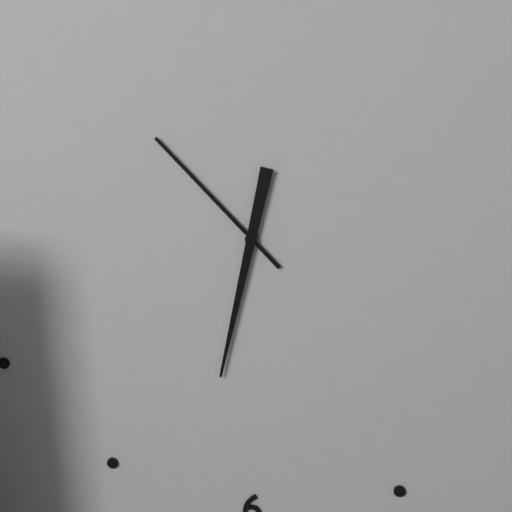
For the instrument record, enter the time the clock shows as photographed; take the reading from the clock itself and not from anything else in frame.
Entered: 10:32
